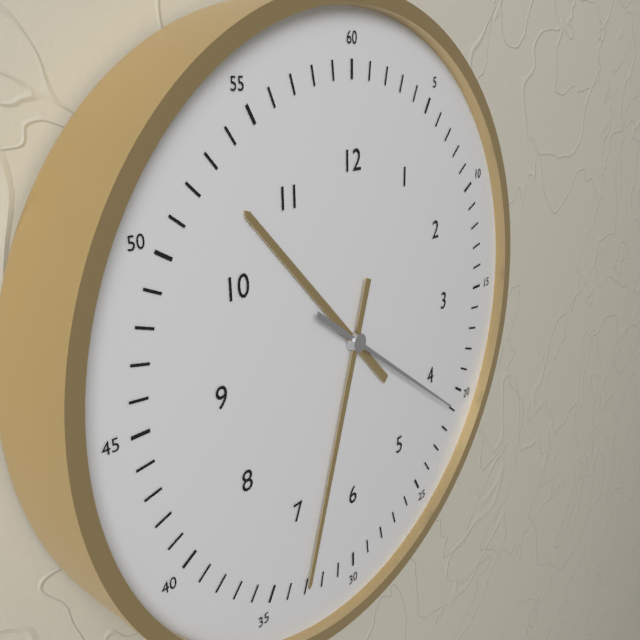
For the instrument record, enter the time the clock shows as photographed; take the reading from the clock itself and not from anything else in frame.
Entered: 10:33:21
